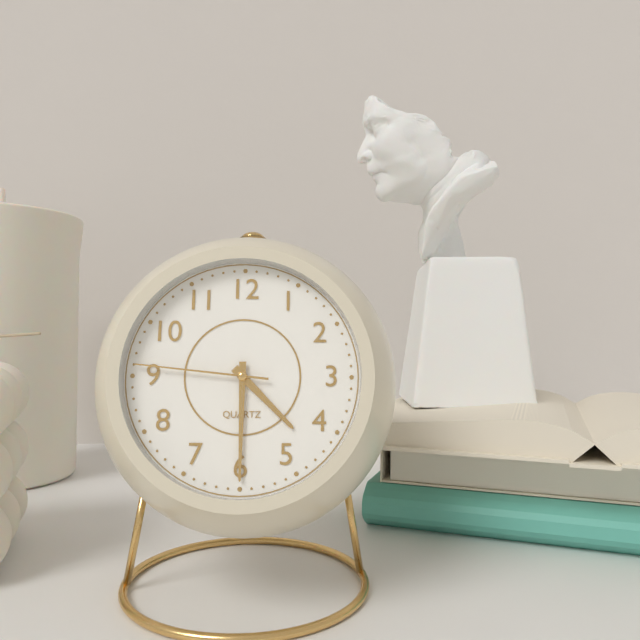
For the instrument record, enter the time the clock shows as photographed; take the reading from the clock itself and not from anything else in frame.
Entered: 4:30:46
